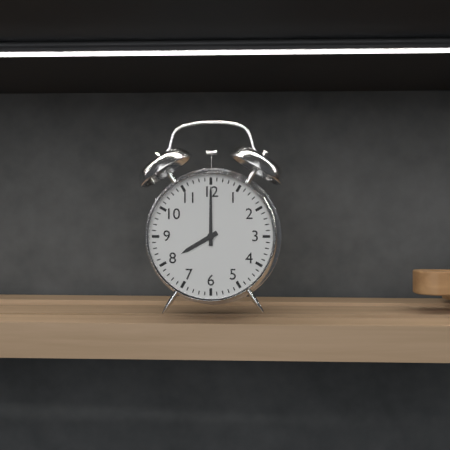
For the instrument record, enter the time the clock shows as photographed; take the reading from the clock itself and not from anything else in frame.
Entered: 8:00
